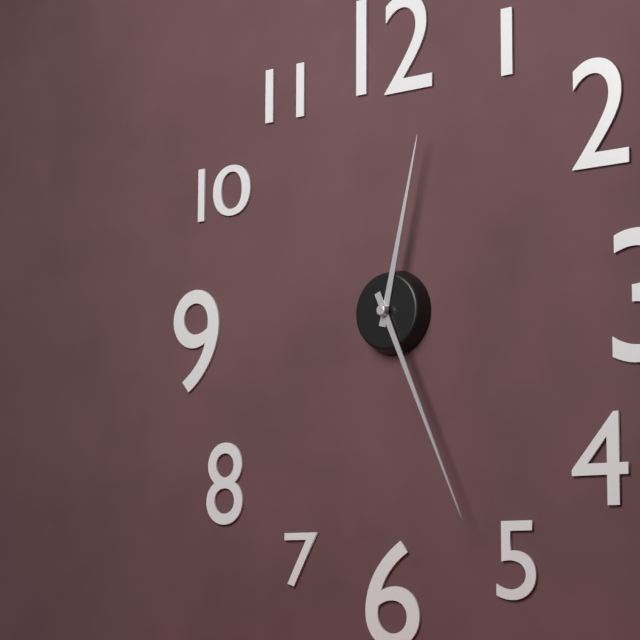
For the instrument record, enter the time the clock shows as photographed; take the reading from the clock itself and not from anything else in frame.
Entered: 12:26
